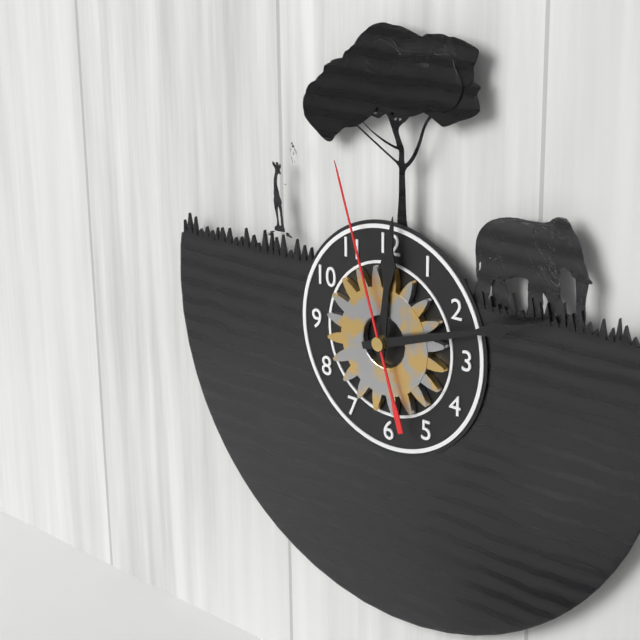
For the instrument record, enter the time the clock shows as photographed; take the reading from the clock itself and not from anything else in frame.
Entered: 12:12:57
